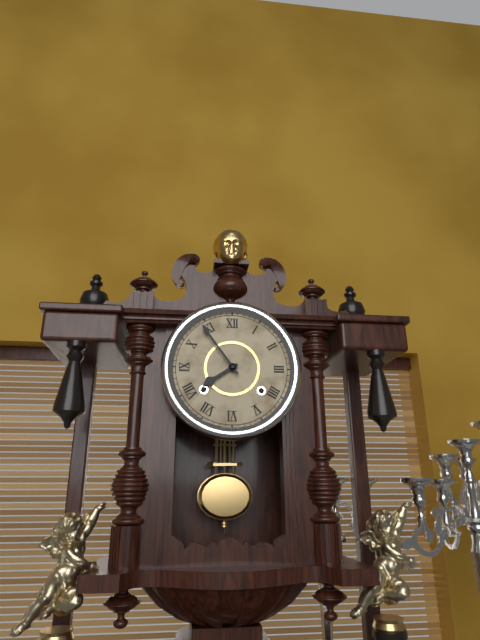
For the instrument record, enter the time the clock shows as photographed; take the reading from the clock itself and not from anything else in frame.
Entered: 7:54
